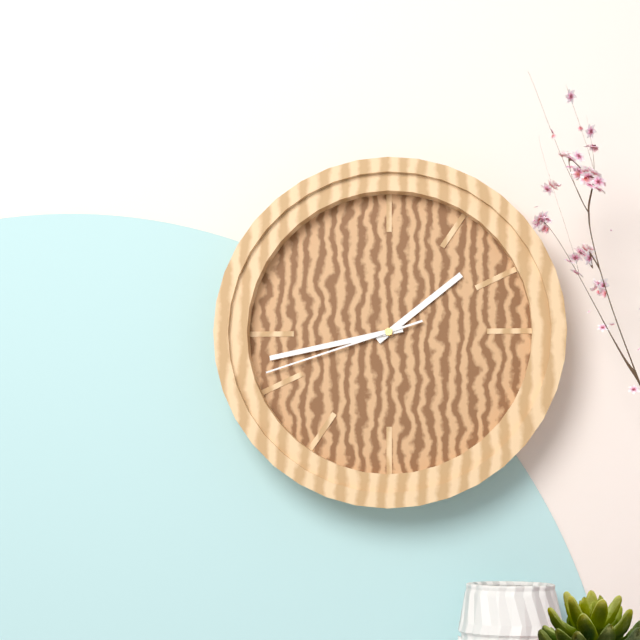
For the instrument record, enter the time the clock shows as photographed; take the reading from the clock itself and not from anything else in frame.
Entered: 1:43:42
